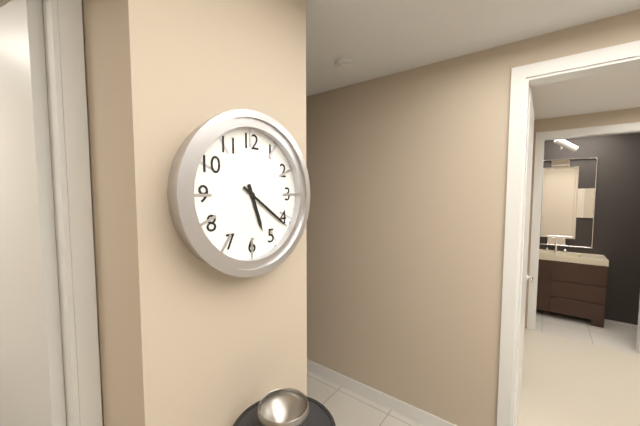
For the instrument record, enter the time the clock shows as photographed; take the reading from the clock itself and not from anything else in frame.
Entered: 5:21
